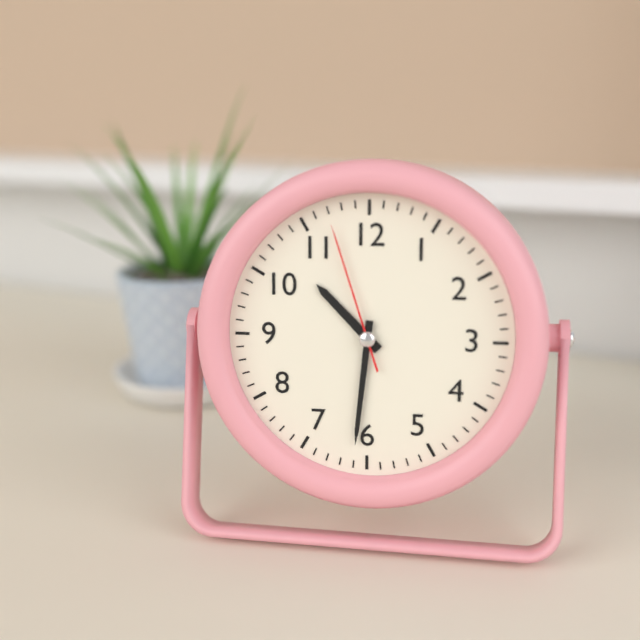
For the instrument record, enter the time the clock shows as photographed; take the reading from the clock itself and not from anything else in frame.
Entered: 10:31:57
